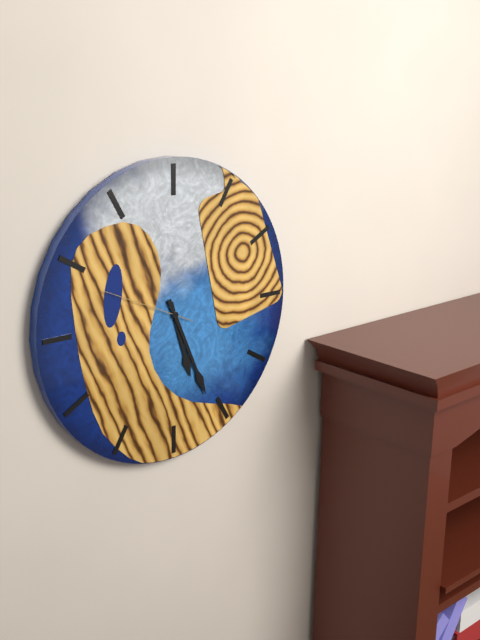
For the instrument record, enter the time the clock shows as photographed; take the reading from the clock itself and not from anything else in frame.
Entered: 5:26:49
